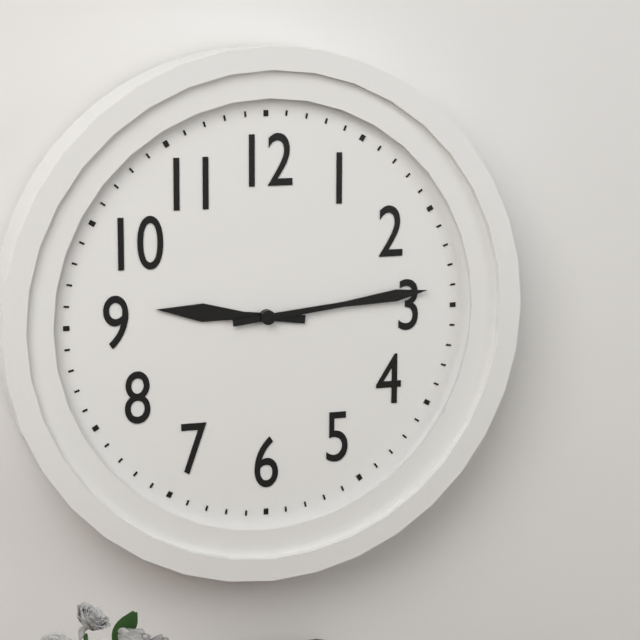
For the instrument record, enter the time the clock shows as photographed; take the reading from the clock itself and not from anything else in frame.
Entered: 9:14
